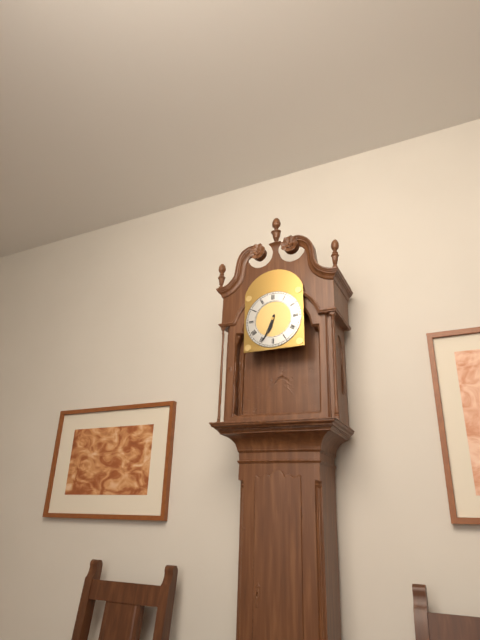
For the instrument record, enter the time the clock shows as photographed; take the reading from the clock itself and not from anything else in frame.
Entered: 6:34
